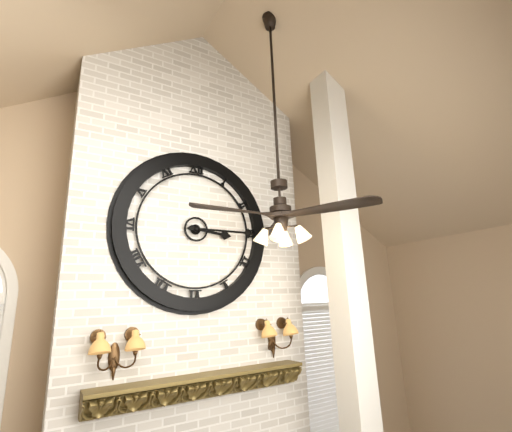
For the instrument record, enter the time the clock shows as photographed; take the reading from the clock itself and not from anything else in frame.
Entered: 3:15
